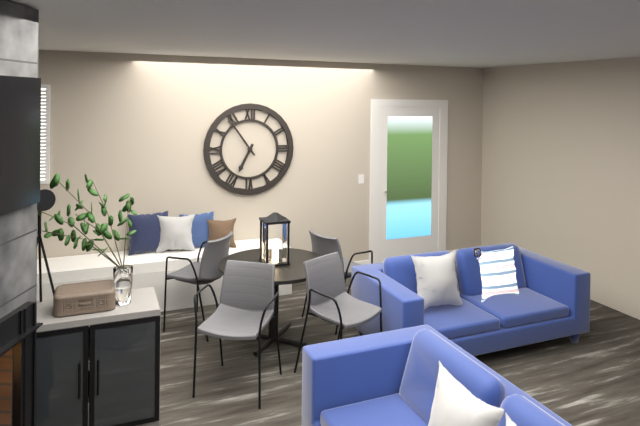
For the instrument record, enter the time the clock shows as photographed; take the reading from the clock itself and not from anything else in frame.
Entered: 6:54
